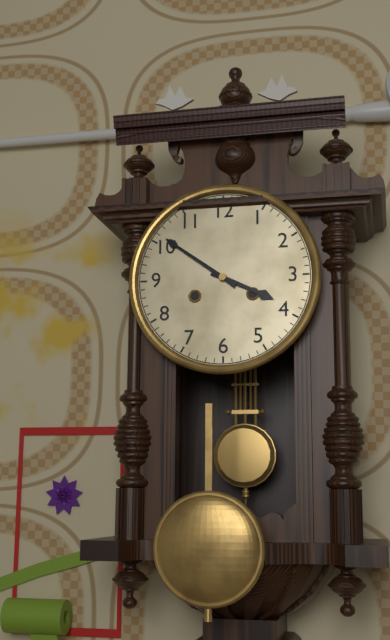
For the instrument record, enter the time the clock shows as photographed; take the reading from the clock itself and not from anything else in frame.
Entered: 3:51
